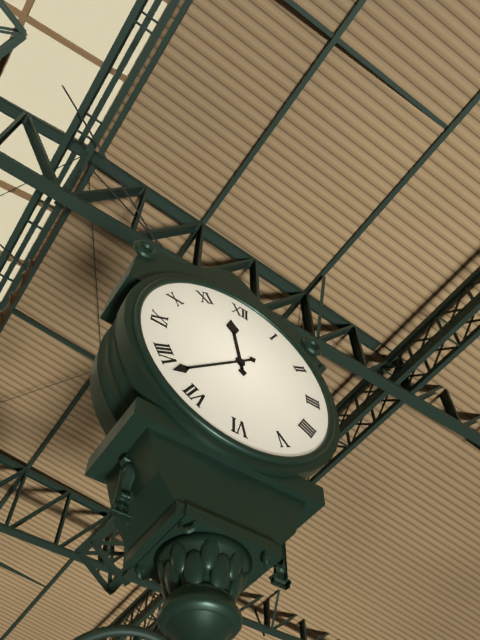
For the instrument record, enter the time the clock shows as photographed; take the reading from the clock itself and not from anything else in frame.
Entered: 11:38
